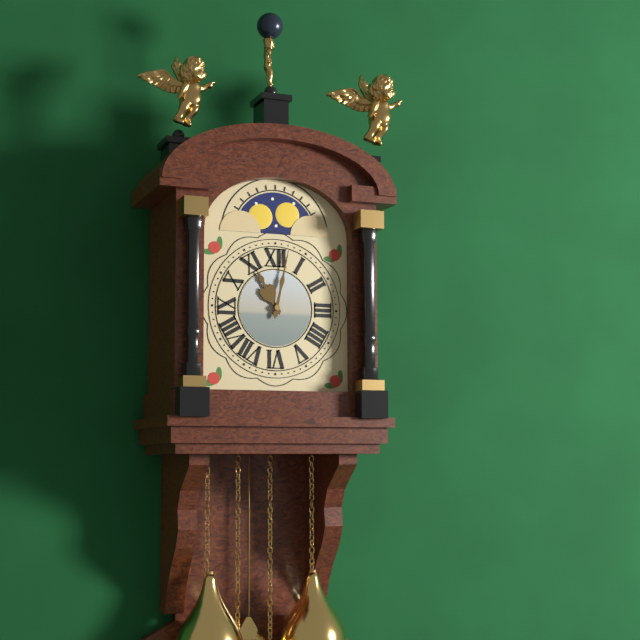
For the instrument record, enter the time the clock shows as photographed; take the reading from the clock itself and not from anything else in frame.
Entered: 11:02
